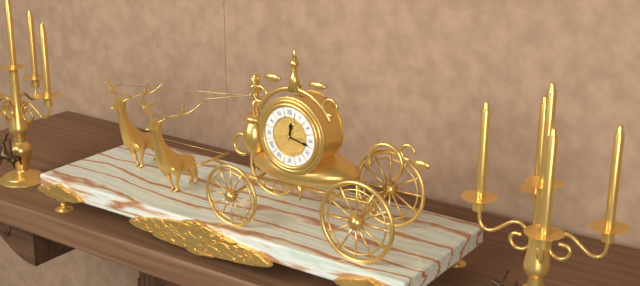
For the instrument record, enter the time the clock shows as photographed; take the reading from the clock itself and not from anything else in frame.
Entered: 12:17
